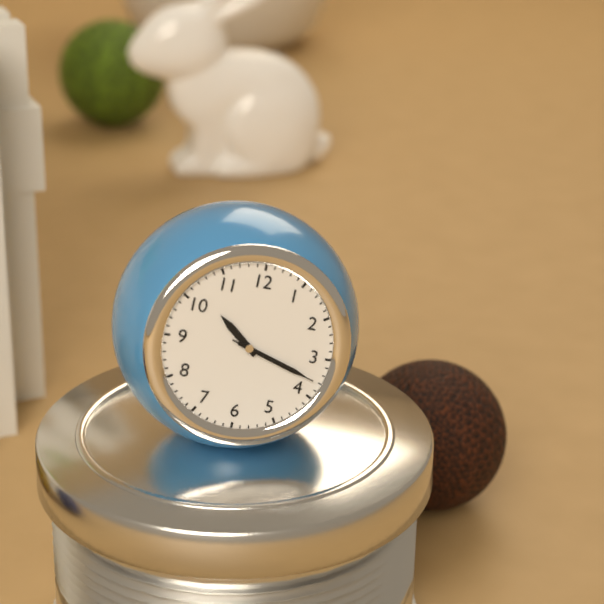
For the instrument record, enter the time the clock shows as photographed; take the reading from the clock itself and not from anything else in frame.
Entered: 10:18:18
